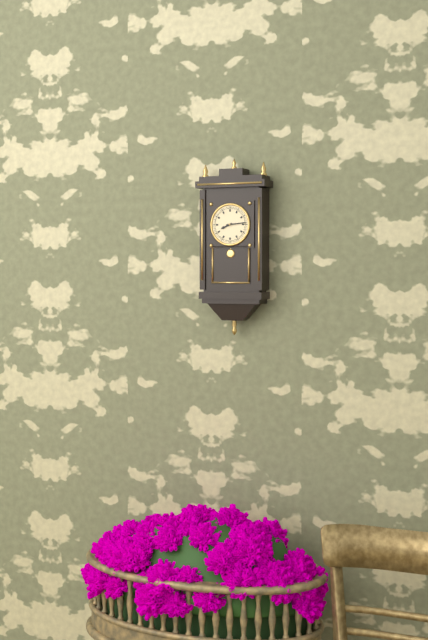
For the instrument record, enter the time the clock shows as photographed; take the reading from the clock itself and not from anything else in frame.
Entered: 8:14
